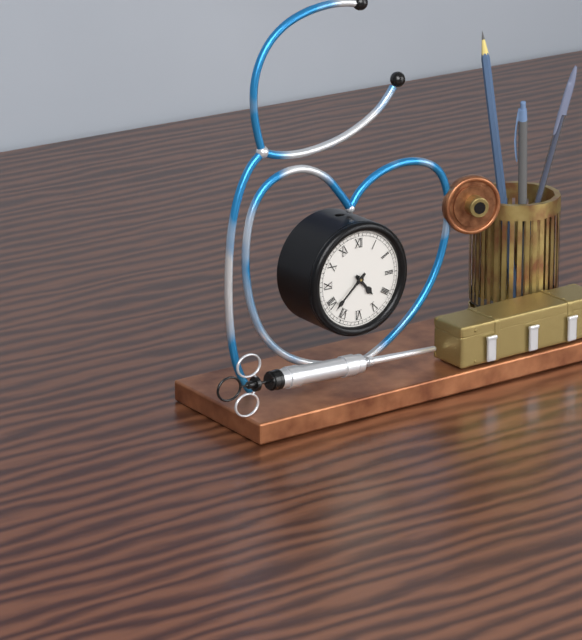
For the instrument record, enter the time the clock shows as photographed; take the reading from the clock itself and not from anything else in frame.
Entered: 4:38
